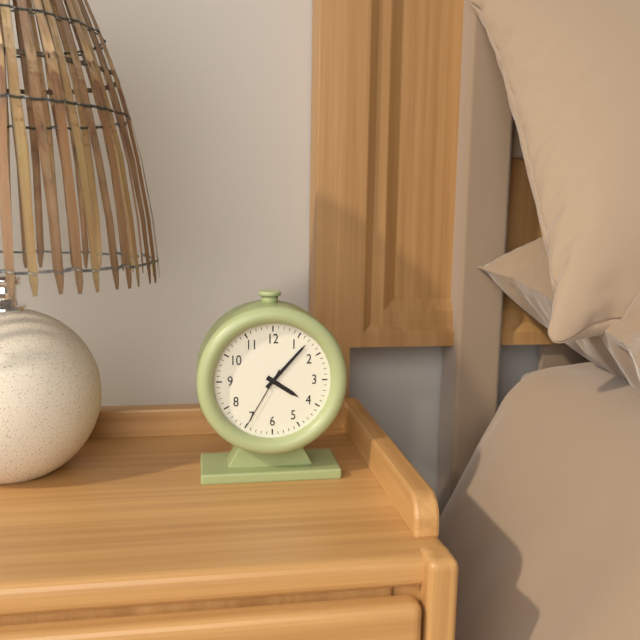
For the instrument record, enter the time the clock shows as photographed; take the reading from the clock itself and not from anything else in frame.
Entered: 4:07:35
